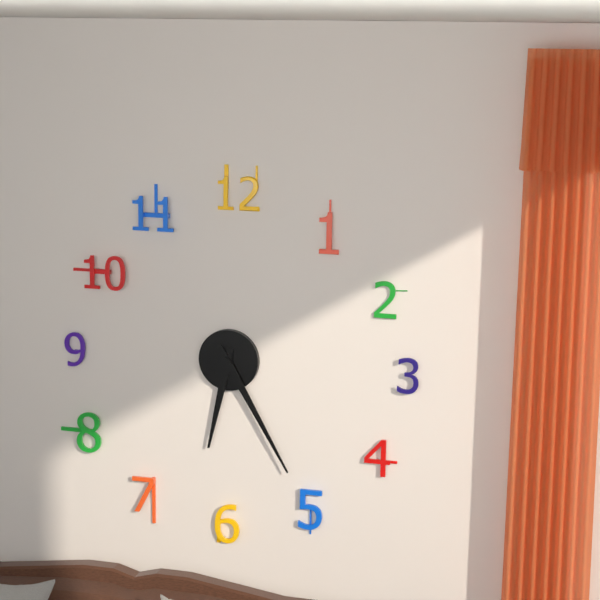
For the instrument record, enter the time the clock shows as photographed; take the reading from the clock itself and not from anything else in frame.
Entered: 6:25
